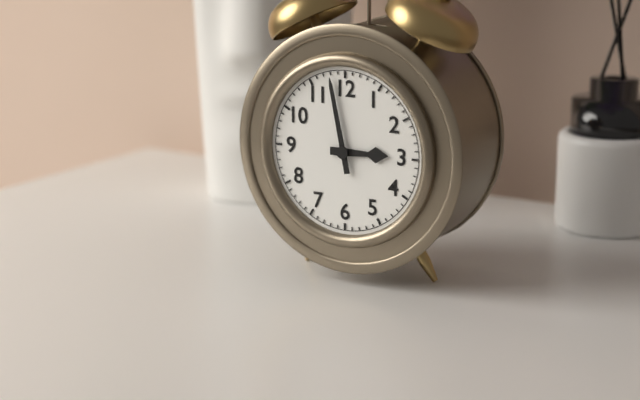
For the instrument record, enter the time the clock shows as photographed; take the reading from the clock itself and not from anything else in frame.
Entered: 2:58
